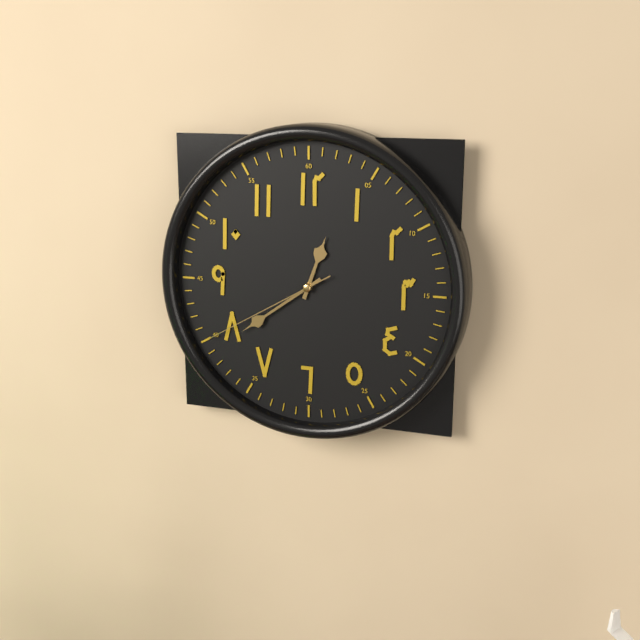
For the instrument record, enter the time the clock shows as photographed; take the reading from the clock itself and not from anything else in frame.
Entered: 12:39:40
